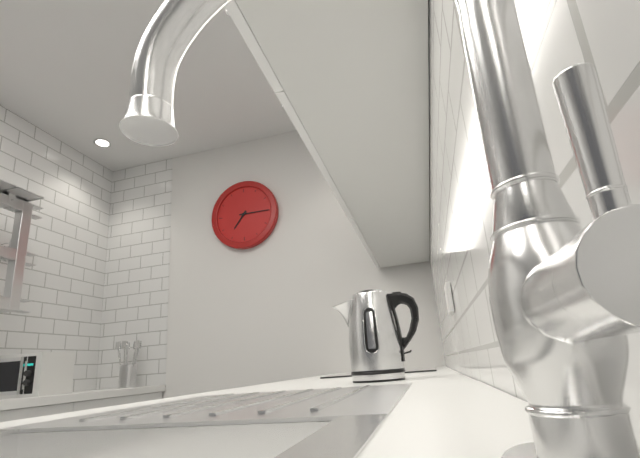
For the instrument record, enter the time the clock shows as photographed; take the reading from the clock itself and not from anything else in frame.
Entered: 7:15
